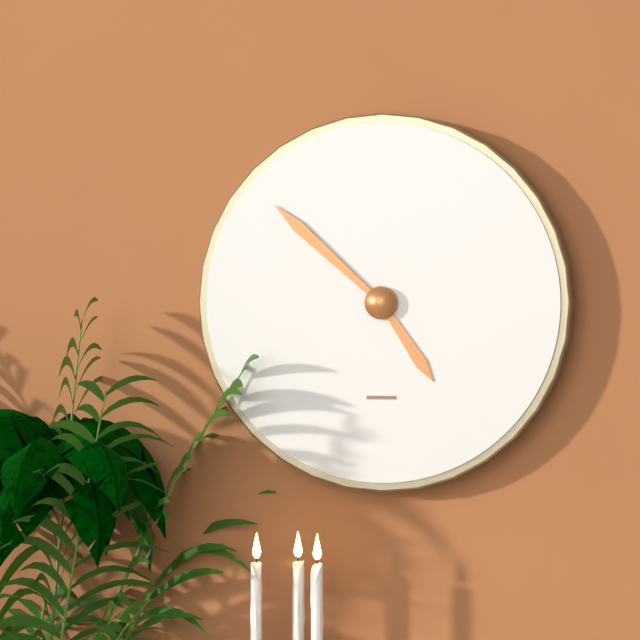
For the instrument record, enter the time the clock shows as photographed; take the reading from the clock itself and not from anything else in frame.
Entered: 4:52
